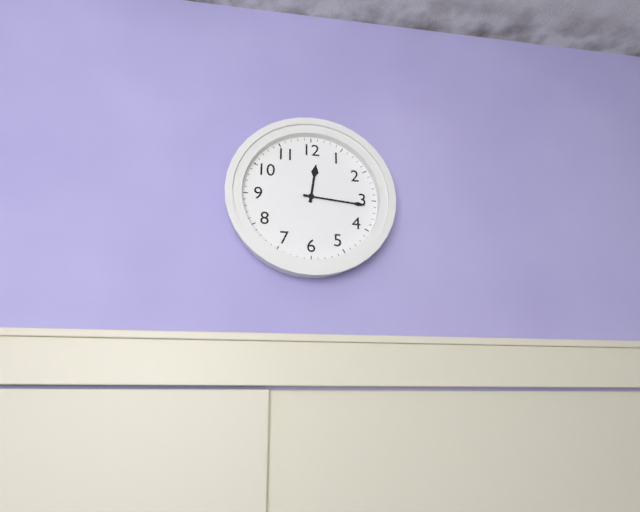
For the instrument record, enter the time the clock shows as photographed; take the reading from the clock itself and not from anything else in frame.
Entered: 12:16
